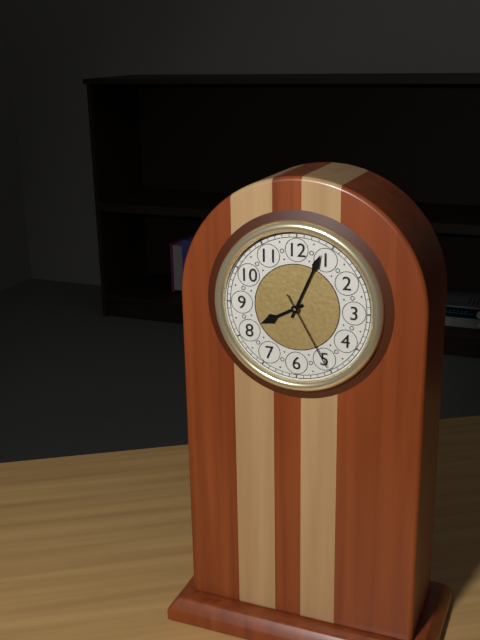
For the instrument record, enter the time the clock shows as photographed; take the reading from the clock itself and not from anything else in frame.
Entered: 8:04:25
